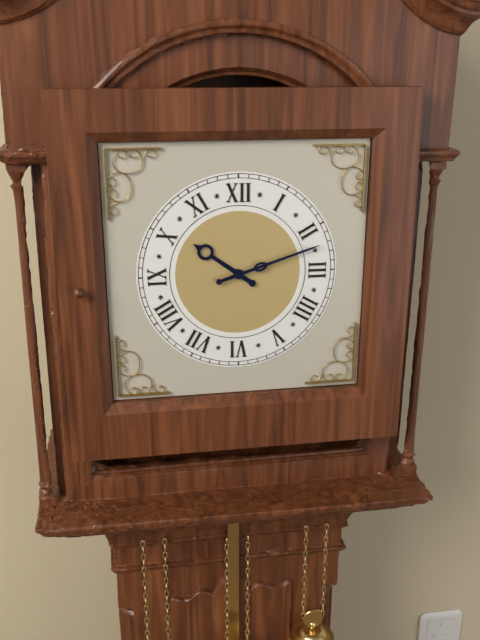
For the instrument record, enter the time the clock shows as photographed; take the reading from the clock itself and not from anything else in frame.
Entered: 10:12
